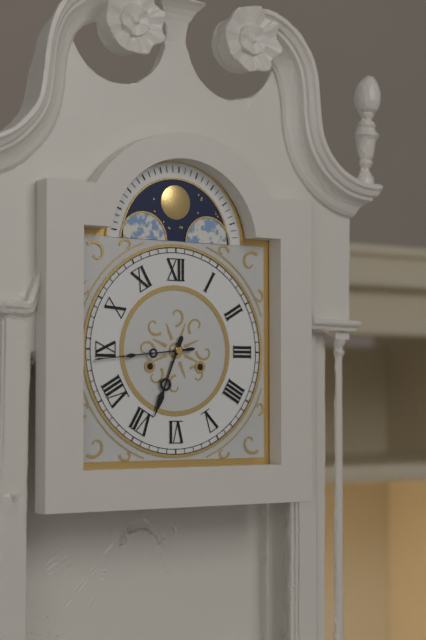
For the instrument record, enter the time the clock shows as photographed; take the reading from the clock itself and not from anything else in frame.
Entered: 6:44
